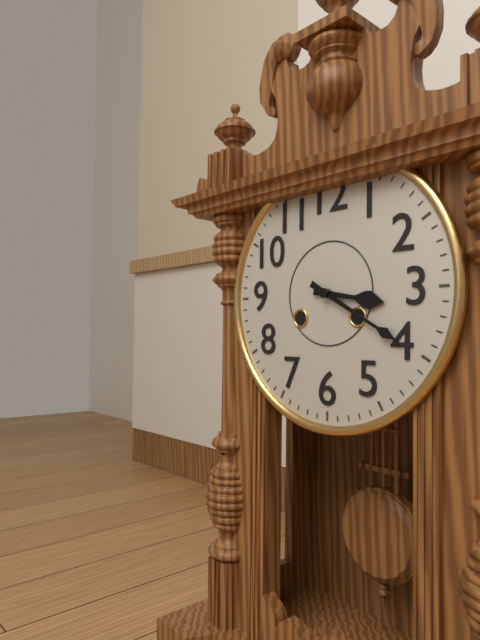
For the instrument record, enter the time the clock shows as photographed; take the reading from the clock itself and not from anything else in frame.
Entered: 3:20
